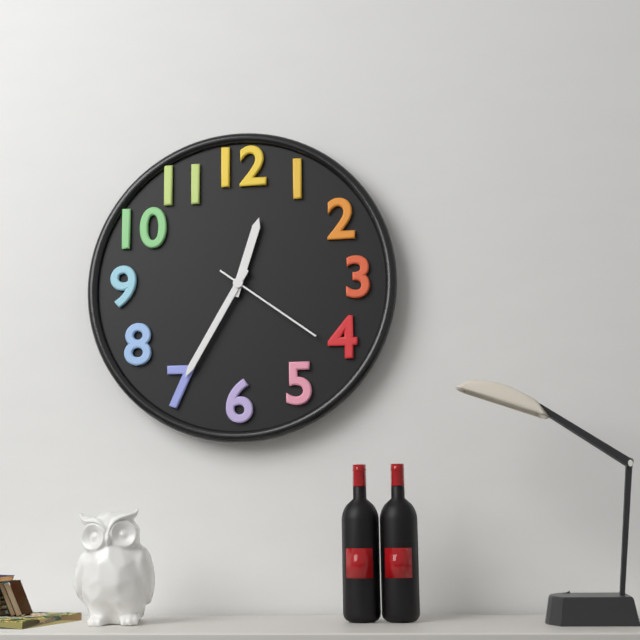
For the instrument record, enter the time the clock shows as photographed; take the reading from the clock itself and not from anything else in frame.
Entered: 12:35:21
